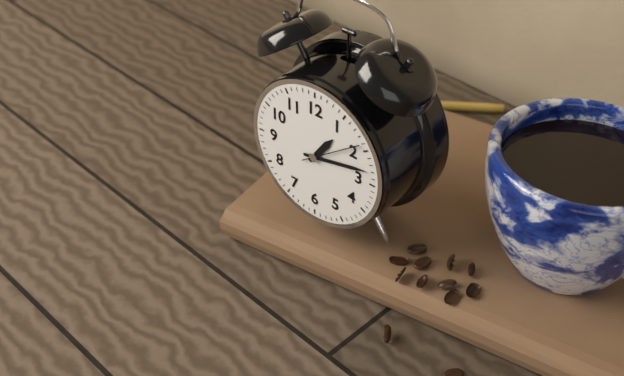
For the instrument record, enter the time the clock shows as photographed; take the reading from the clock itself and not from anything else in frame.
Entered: 1:13:09
